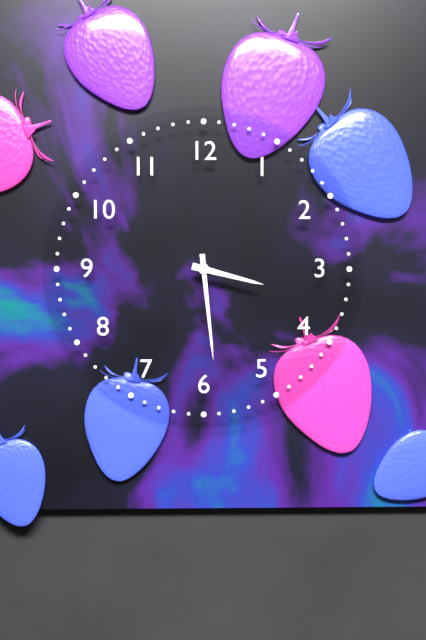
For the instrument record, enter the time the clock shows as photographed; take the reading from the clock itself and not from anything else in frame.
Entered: 3:29
